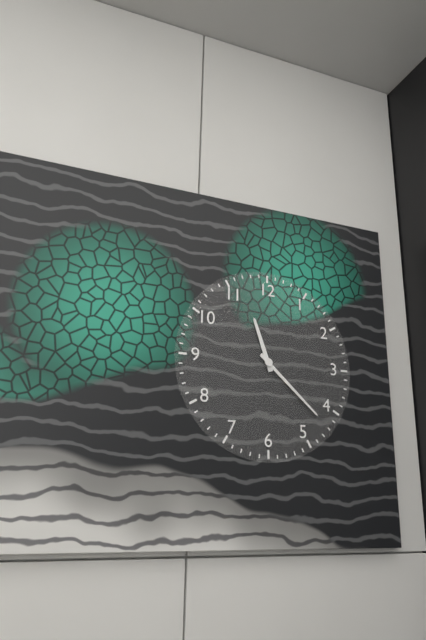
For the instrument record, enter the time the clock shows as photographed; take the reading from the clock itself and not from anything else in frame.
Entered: 11:22
